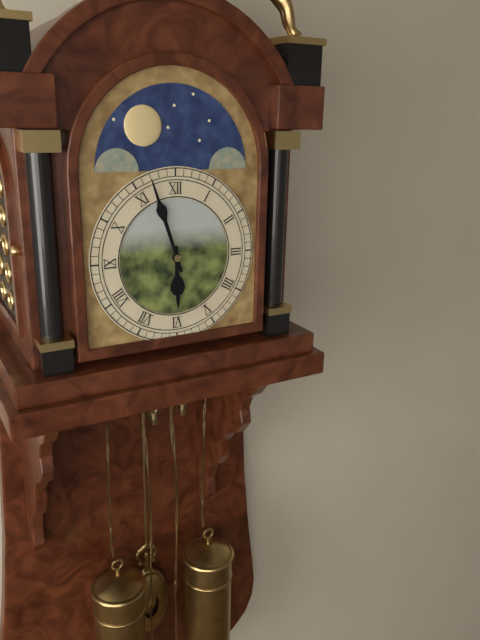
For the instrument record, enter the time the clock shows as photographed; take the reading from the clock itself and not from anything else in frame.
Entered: 5:57
